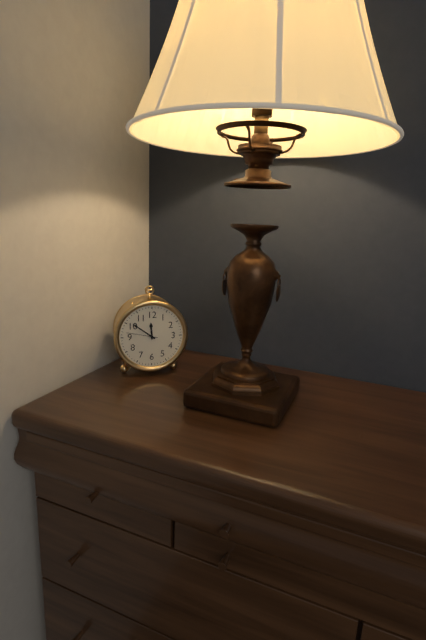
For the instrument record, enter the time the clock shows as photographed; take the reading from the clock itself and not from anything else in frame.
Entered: 11:51
